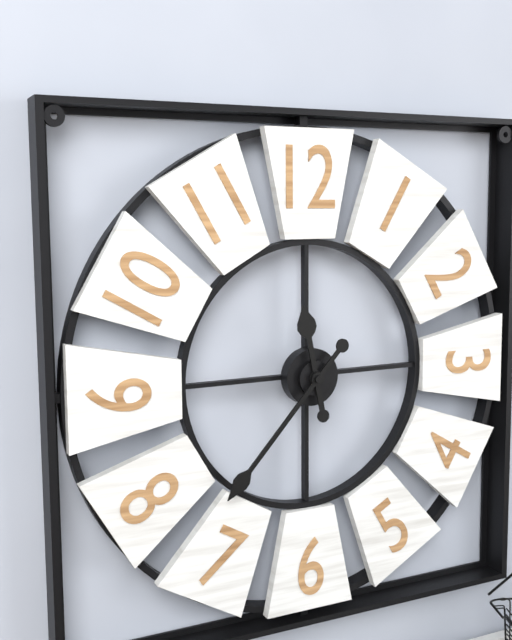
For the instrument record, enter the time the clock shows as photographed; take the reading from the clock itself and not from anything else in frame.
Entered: 11:37
